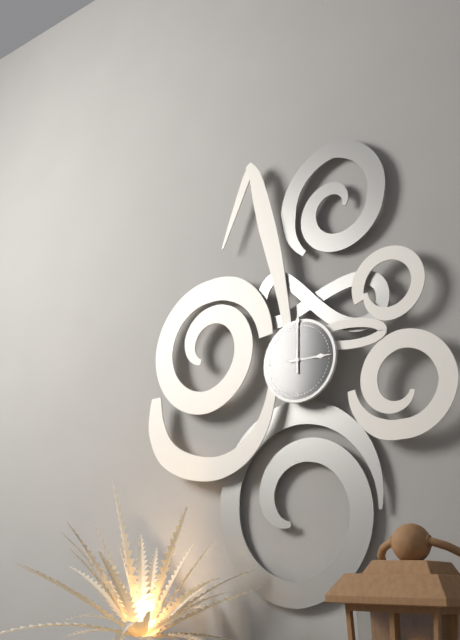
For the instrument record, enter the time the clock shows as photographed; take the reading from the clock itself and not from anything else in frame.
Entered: 3:00
